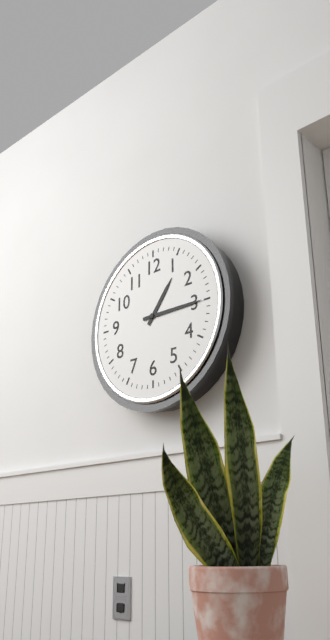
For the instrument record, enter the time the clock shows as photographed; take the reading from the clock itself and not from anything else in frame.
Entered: 1:15
